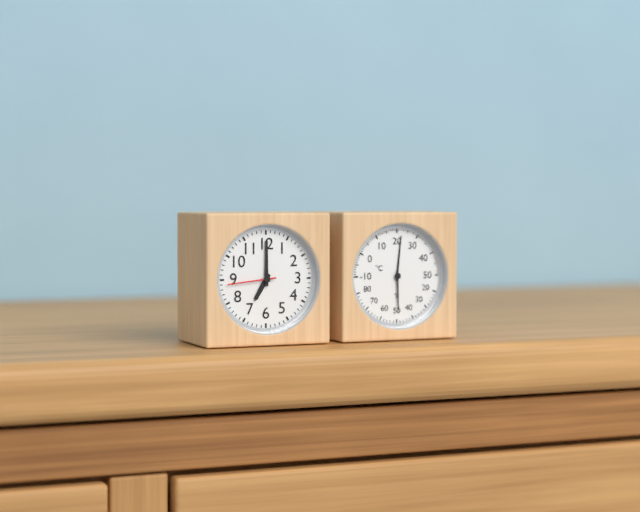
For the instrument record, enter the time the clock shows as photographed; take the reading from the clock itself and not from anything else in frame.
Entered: 7:00:44
